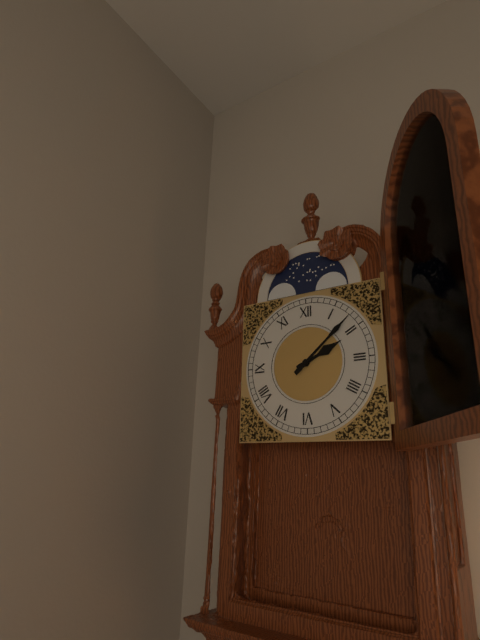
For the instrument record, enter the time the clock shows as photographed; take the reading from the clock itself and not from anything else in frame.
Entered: 2:08
